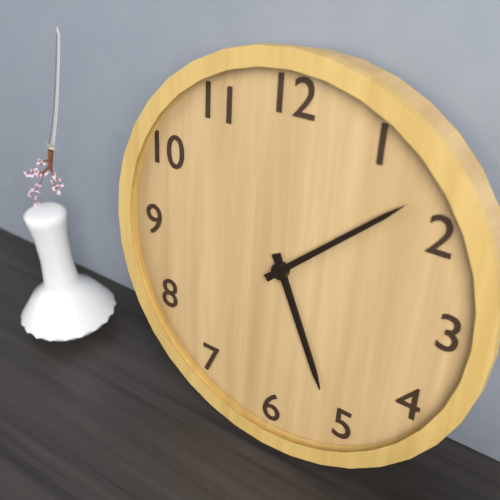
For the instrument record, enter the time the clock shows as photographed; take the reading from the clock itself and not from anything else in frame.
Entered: 5:08
